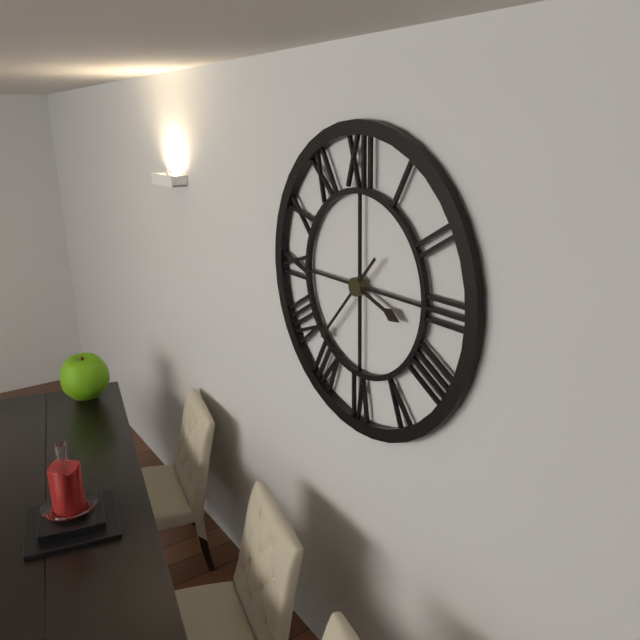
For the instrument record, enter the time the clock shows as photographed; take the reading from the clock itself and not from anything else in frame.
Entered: 3:37
